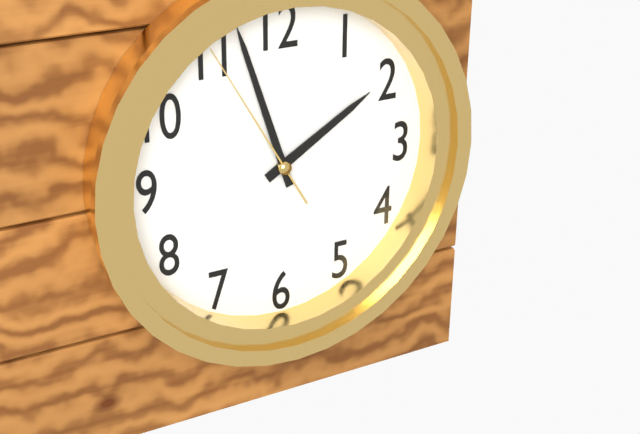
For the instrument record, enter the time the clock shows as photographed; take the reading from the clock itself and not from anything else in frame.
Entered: 1:57:55
